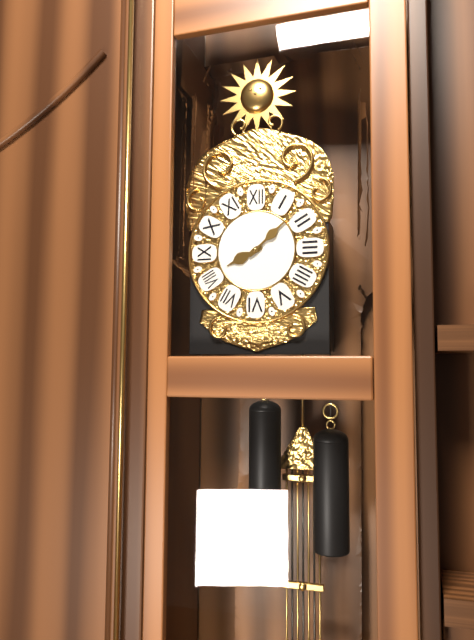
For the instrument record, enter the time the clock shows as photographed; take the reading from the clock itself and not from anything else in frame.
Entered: 8:08
